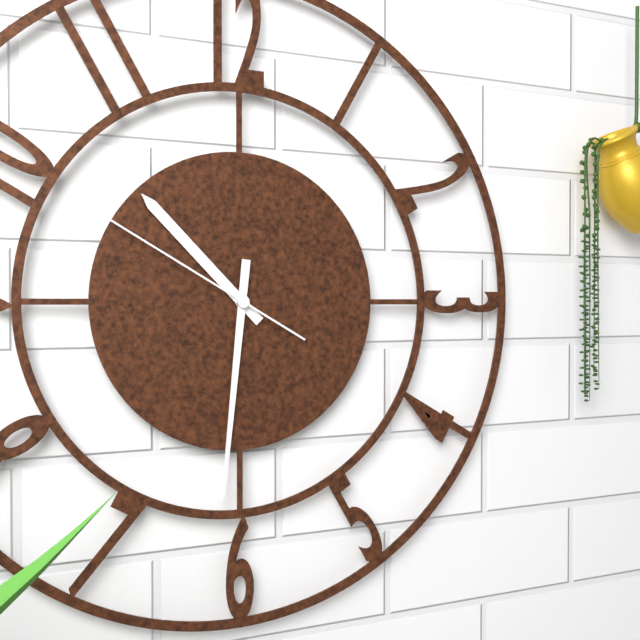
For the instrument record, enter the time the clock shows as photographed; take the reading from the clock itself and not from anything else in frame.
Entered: 10:31:50
